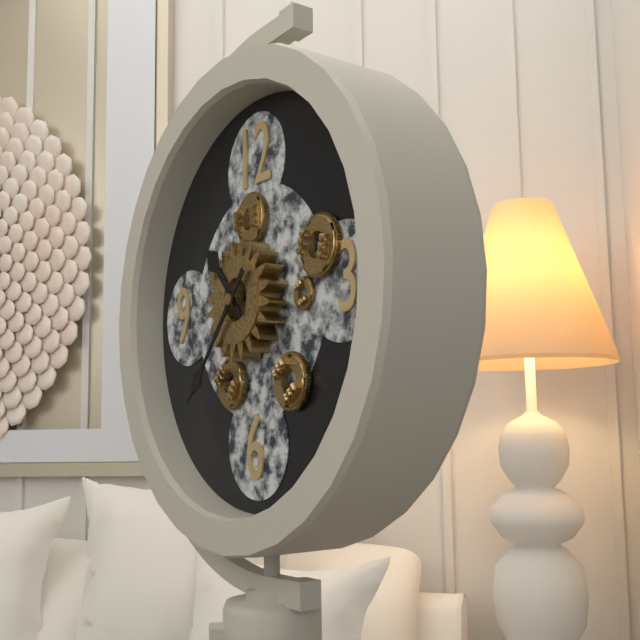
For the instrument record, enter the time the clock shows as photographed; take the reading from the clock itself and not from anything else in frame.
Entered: 10:37
